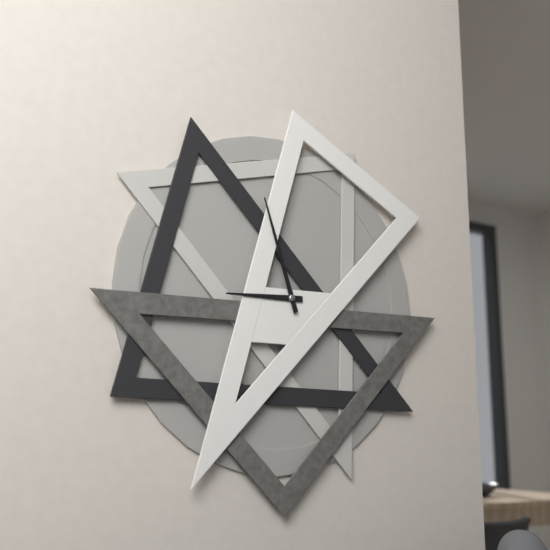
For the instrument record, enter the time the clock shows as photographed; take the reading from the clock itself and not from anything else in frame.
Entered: 8:57
